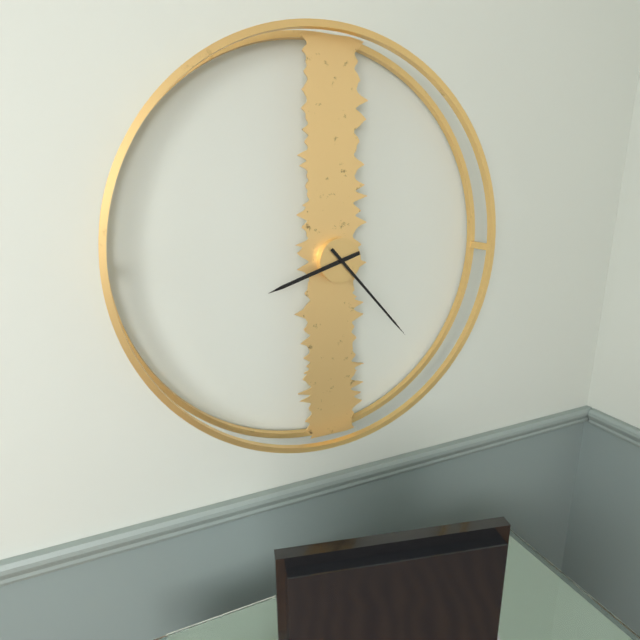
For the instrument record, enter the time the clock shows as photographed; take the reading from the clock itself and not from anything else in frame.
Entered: 8:23
